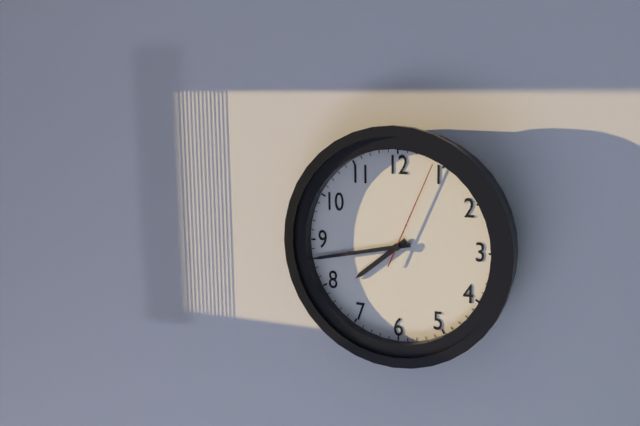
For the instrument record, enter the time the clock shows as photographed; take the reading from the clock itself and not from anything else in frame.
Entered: 7:43:04
